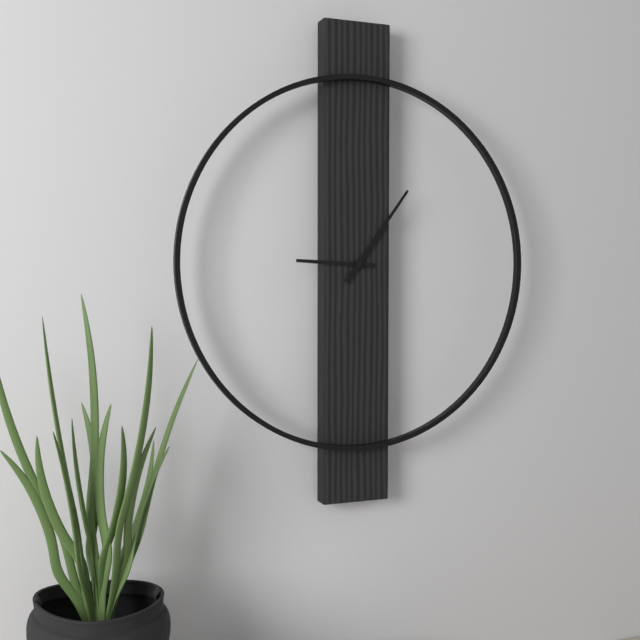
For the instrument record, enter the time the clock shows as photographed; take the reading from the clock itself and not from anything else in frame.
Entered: 9:06
